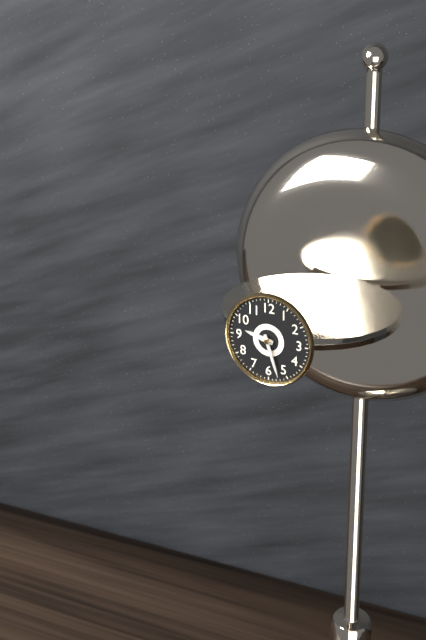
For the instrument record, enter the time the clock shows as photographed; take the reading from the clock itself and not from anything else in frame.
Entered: 9:27
